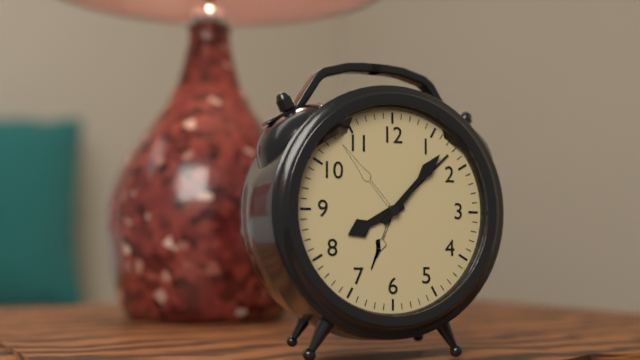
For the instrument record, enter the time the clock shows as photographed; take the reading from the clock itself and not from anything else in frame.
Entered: 8:07
